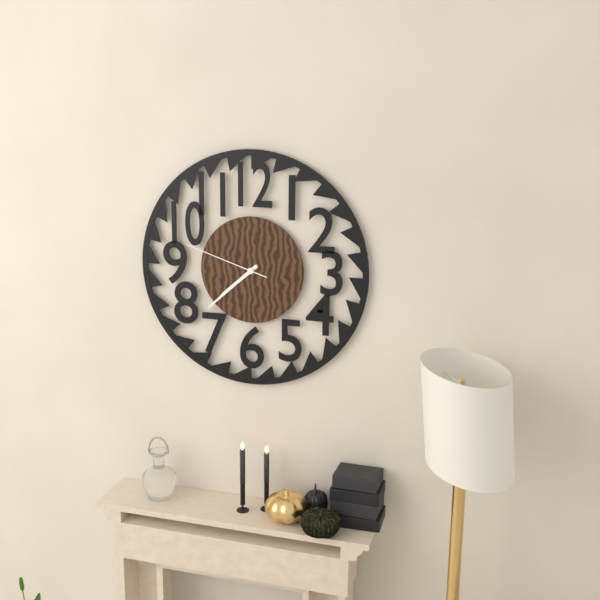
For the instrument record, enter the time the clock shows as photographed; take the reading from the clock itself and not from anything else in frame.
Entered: 7:38:48
